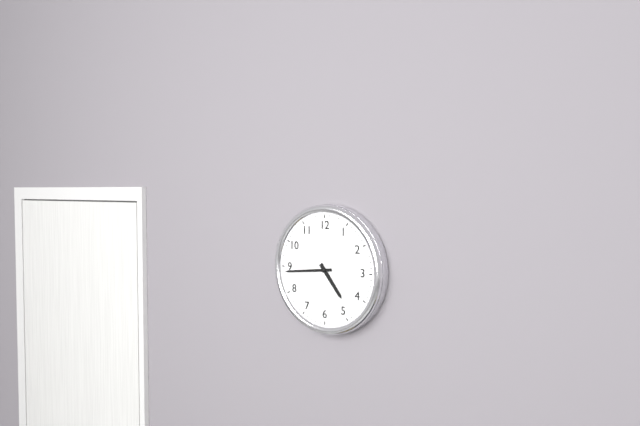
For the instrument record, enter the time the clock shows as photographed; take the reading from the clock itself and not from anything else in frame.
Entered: 4:44
